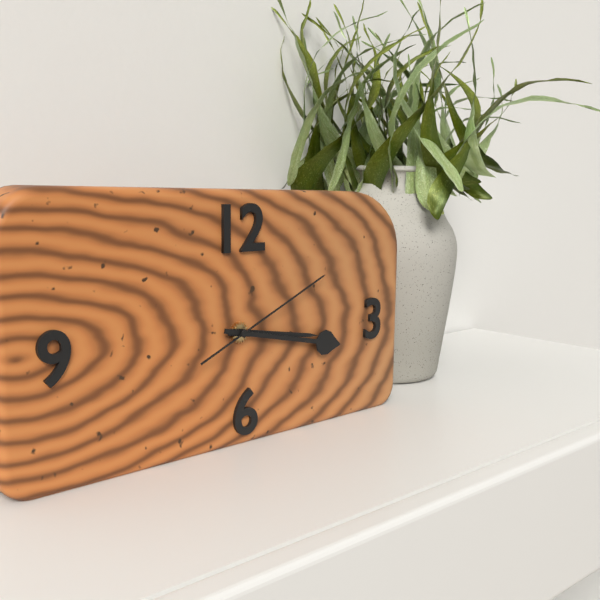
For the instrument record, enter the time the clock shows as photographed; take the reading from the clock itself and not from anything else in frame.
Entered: 3:17:11
